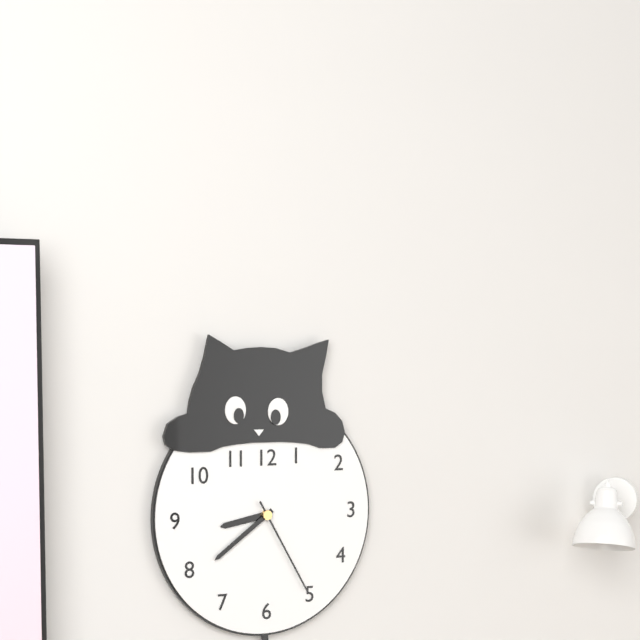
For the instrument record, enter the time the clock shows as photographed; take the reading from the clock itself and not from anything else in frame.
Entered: 8:39:25
